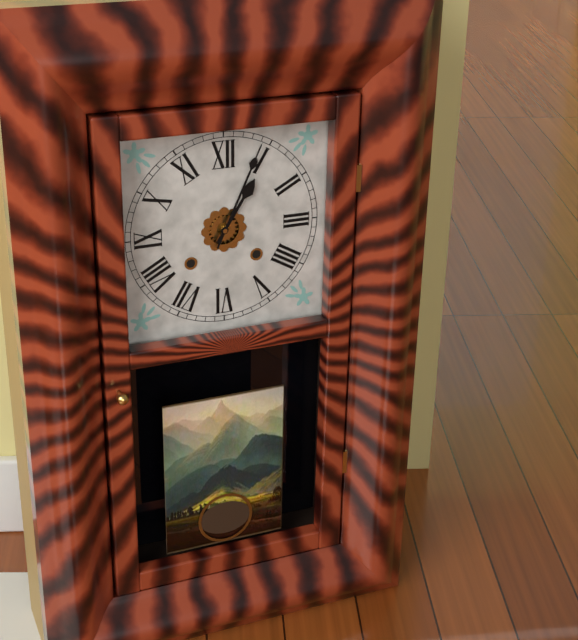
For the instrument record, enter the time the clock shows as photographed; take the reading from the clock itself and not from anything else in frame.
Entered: 1:04
